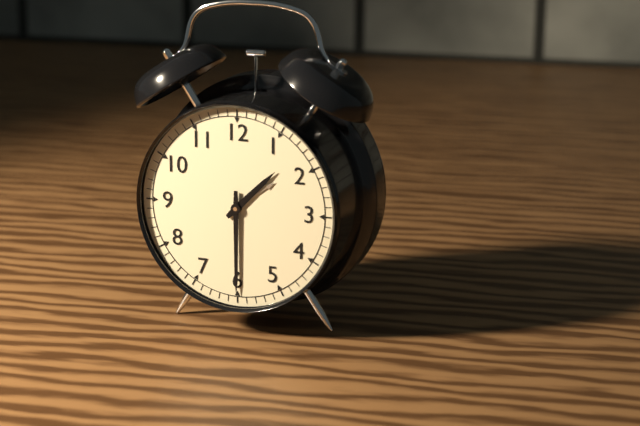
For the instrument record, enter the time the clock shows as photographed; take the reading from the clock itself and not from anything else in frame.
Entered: 1:30
